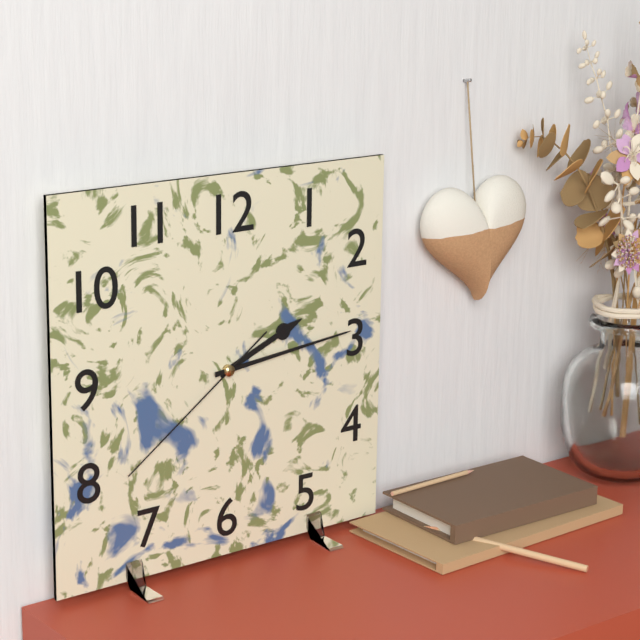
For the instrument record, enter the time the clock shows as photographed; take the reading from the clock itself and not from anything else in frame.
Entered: 2:14:39
